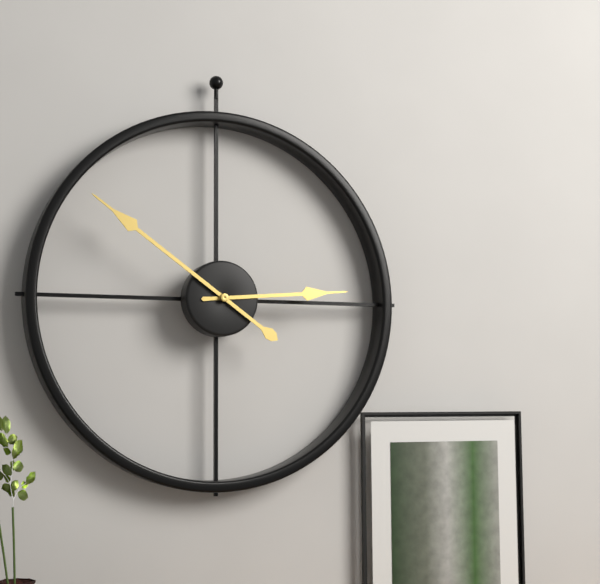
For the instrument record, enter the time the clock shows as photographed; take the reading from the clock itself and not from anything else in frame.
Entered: 2:51
